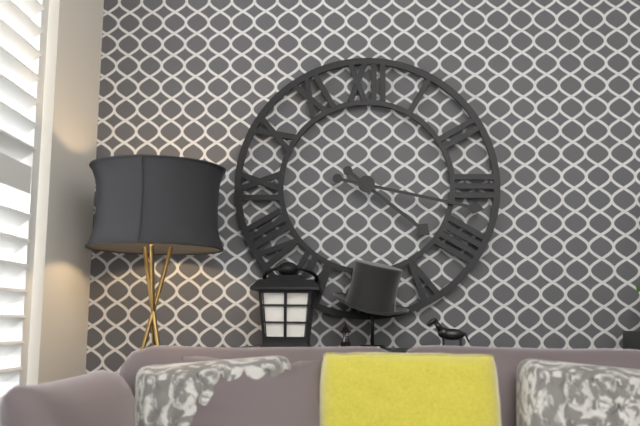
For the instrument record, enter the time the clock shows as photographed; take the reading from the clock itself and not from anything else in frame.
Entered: 4:17
